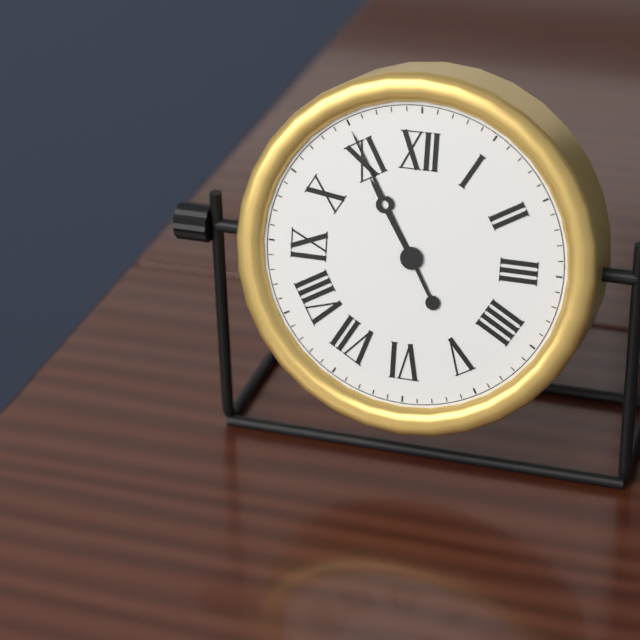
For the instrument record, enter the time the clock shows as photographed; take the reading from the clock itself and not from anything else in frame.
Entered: 10:55
